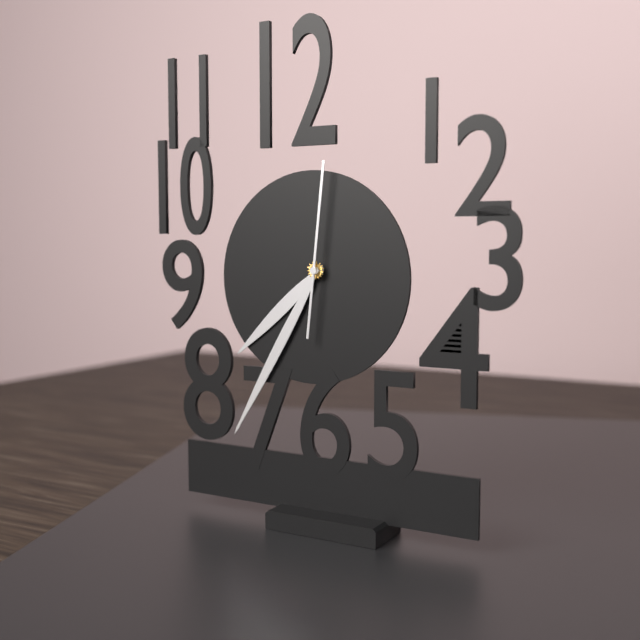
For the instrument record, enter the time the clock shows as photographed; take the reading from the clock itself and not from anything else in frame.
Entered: 7:35:01
